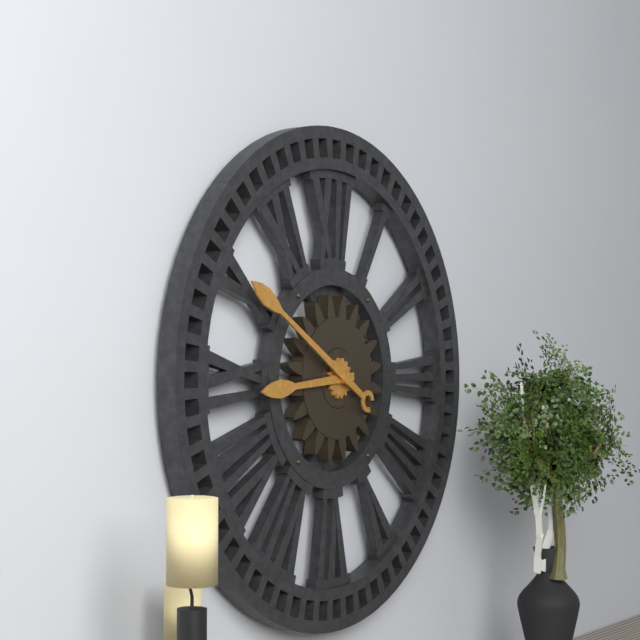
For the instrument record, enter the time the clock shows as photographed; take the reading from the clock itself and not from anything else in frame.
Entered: 8:50
